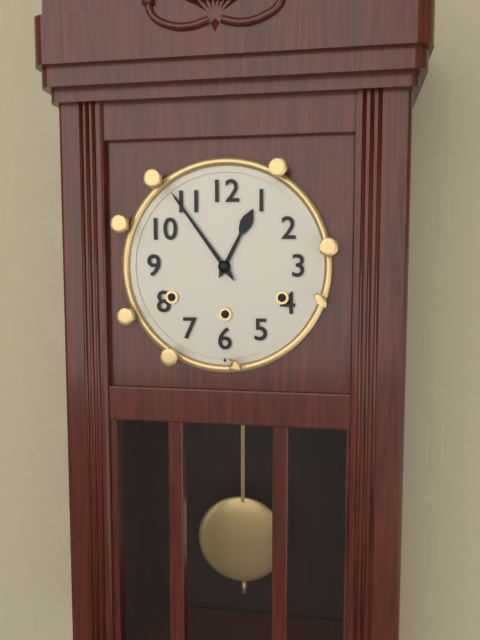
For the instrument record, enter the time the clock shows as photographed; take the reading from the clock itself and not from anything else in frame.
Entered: 12:54
